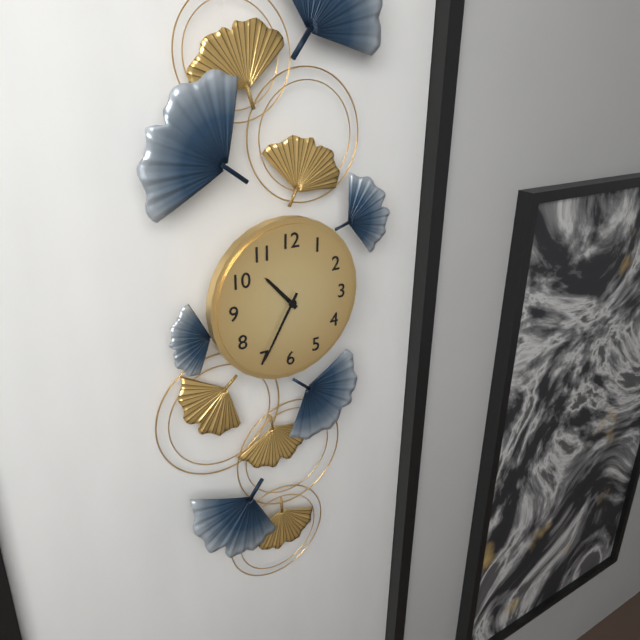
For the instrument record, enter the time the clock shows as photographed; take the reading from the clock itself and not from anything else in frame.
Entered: 10:35
